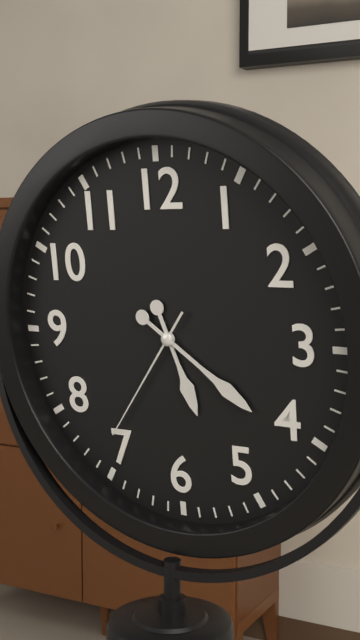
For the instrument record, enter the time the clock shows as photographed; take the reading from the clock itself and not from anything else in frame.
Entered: 5:21:36
